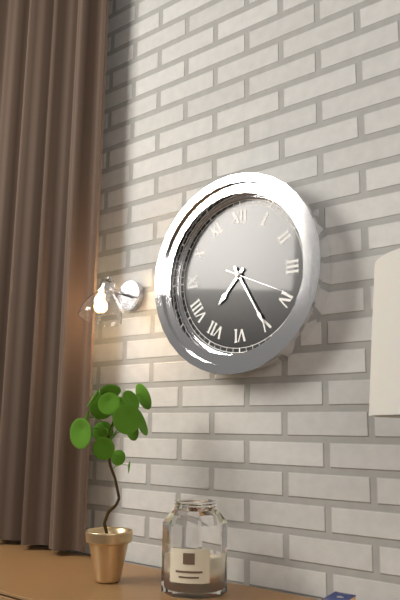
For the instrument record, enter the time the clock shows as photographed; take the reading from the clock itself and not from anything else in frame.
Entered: 7:25:19
